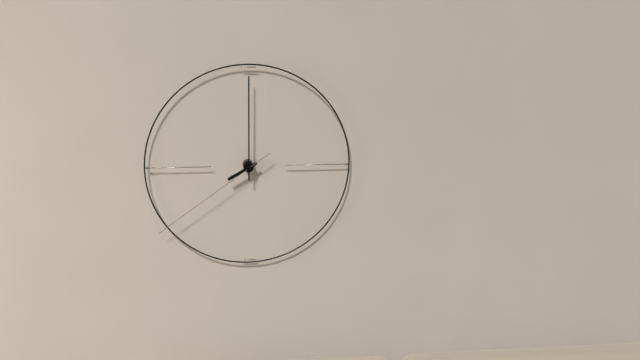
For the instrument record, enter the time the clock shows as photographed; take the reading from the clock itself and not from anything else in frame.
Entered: 8:00:39
